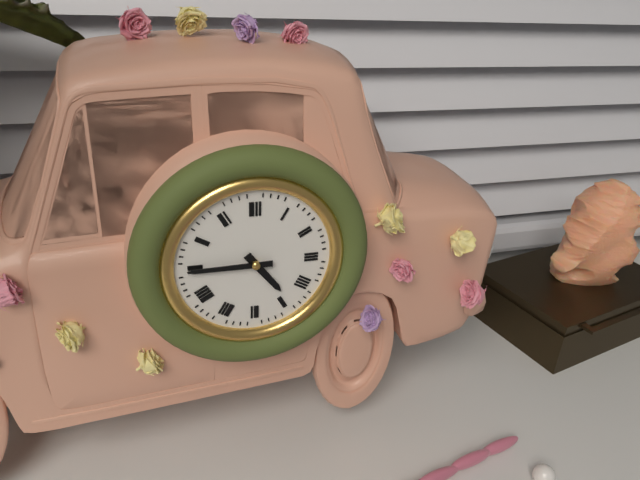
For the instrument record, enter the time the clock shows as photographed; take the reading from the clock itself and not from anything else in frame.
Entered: 4:45
